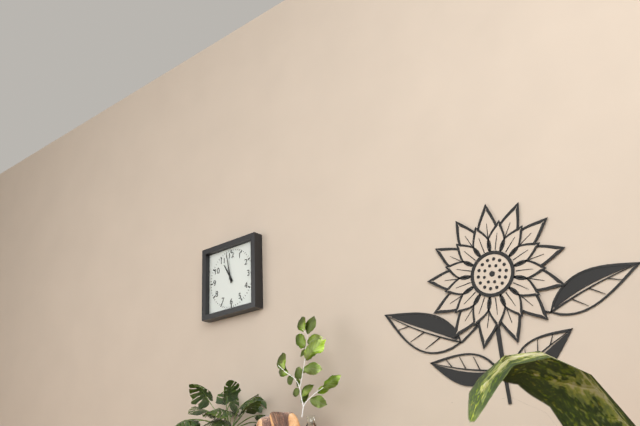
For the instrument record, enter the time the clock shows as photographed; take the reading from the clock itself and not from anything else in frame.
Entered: 10:58
